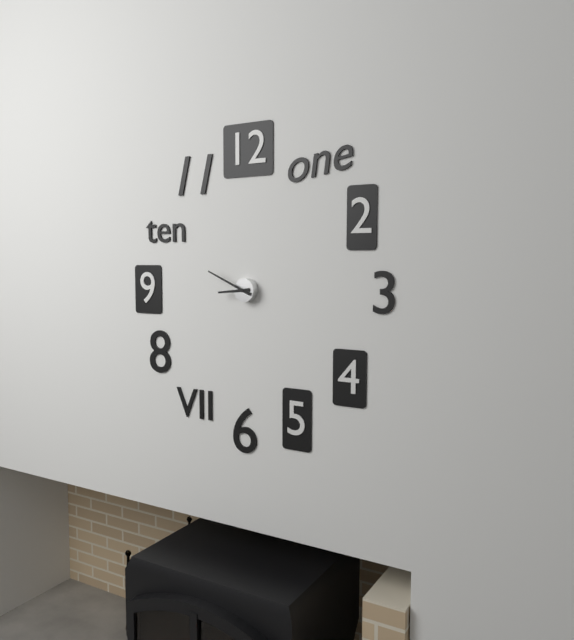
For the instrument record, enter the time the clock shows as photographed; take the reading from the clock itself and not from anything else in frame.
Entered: 8:49
